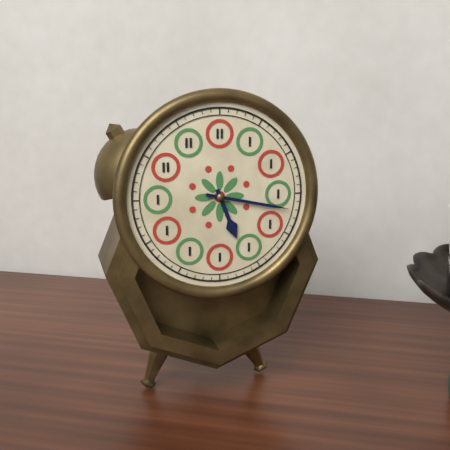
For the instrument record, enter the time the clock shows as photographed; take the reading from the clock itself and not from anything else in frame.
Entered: 5:17
